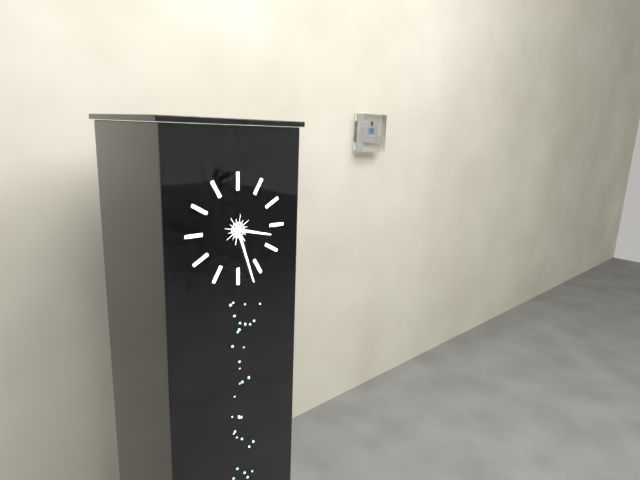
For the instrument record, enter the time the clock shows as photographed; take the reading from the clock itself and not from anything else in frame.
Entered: 3:27
